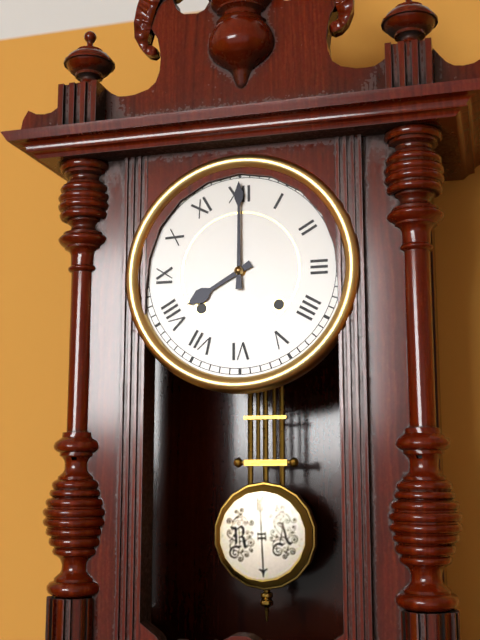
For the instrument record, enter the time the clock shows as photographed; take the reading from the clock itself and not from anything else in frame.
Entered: 8:00
